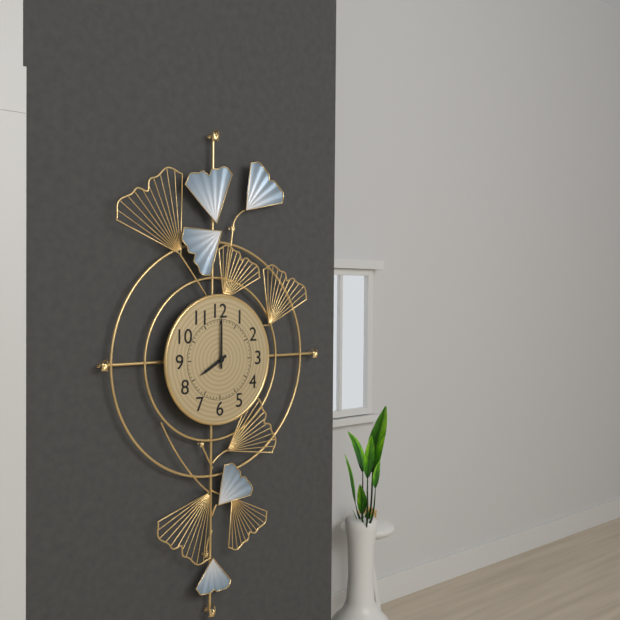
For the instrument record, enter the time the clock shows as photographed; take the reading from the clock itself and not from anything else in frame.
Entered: 8:00
